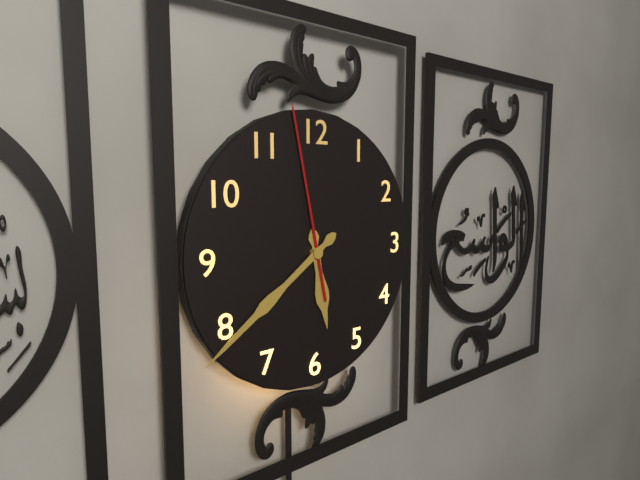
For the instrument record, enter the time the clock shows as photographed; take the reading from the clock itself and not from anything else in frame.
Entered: 5:39:58
